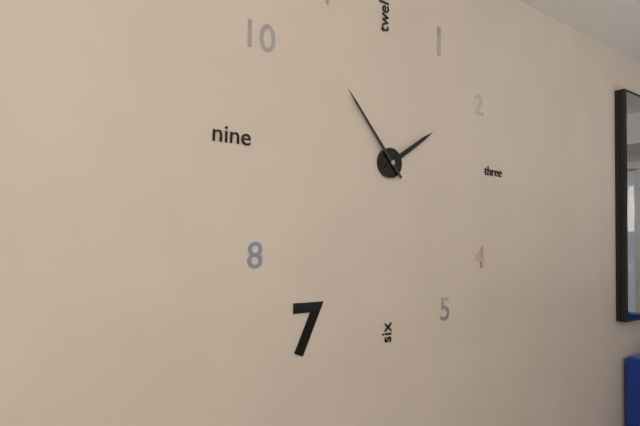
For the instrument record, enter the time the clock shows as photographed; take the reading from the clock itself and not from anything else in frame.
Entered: 1:53
